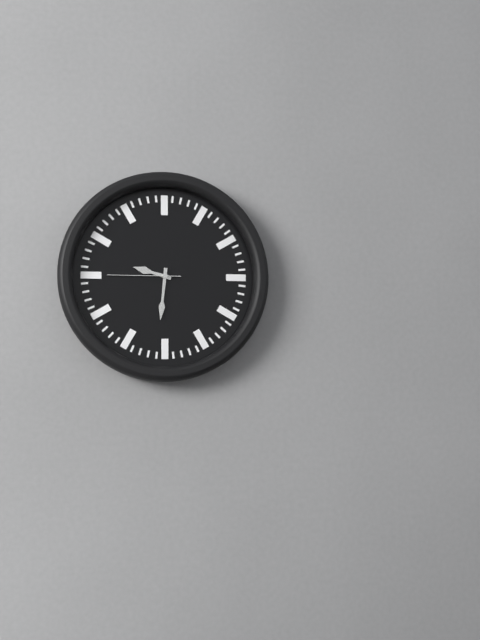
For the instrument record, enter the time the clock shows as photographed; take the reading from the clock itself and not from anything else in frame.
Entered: 9:31:45
